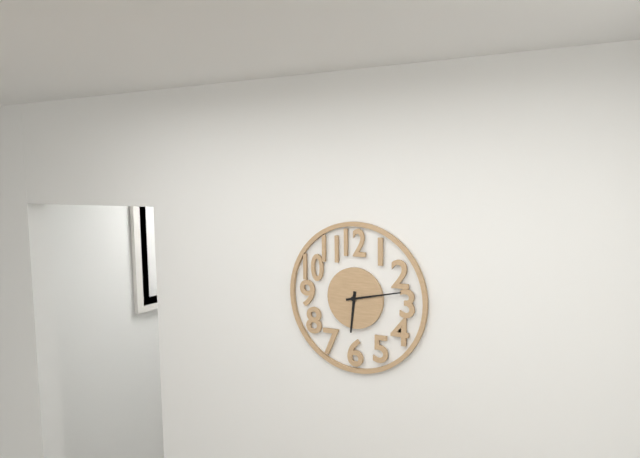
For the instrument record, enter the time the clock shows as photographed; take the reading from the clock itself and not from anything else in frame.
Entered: 6:13
